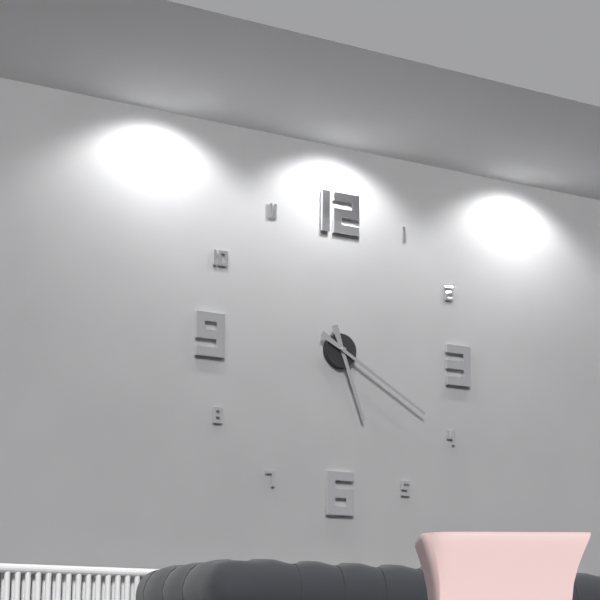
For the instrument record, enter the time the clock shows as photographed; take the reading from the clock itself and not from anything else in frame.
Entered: 5:20
